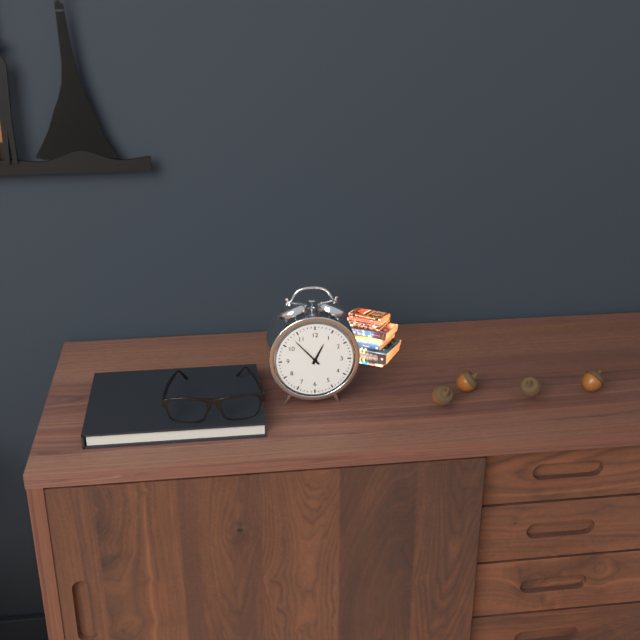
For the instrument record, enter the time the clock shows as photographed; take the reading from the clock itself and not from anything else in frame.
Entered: 12:53
